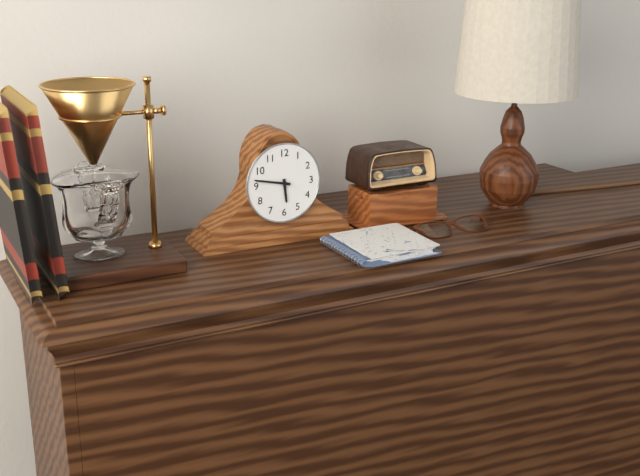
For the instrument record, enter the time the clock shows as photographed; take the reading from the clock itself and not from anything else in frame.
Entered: 5:47
